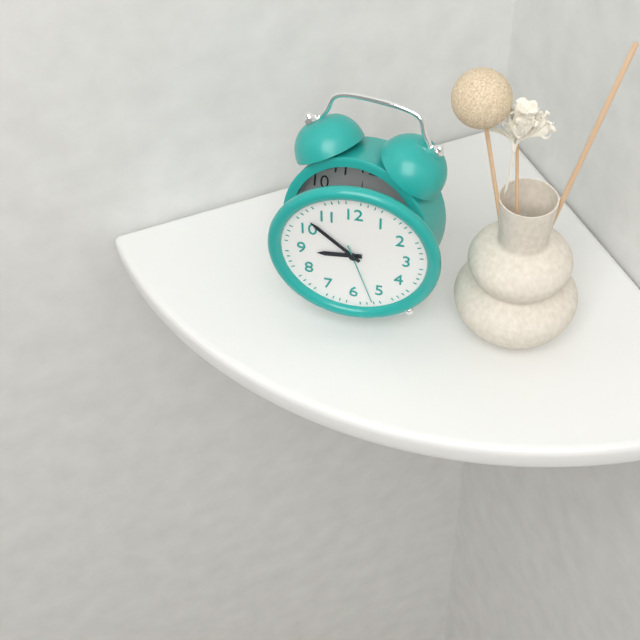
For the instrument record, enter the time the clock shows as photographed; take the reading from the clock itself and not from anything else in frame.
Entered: 8:52:27
